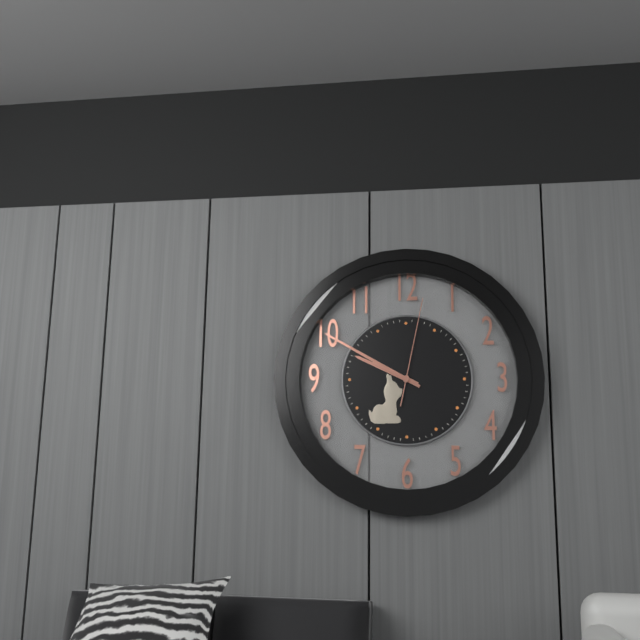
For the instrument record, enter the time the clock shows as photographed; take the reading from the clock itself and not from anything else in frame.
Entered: 9:50:02
